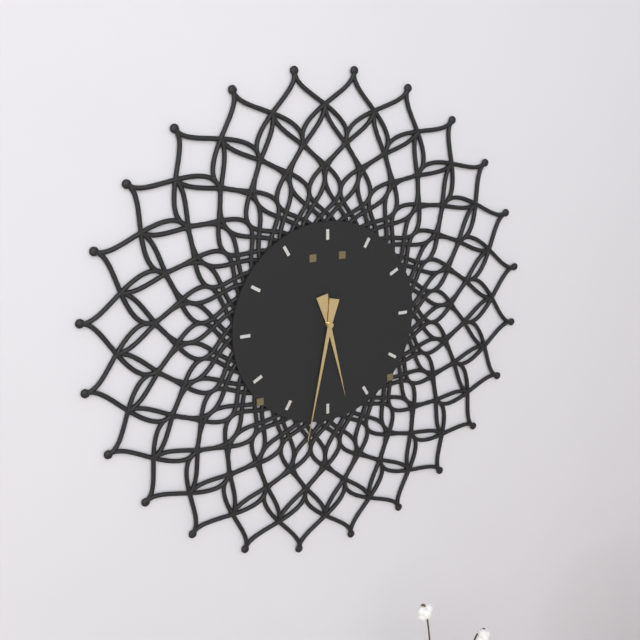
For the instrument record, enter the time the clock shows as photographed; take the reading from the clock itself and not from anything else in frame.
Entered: 5:32
